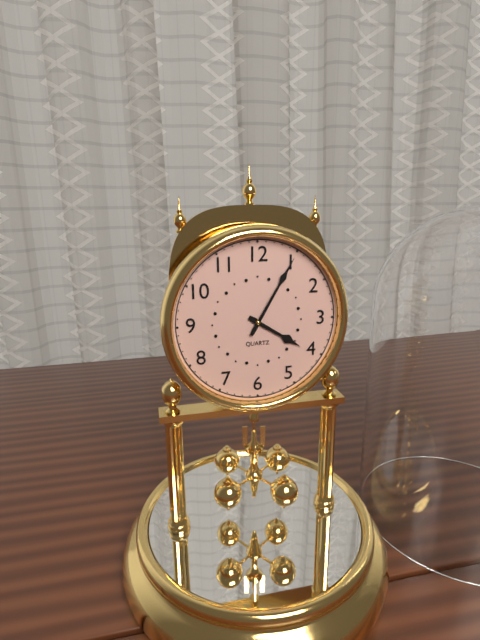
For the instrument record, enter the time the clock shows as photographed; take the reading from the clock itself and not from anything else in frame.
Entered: 4:05
